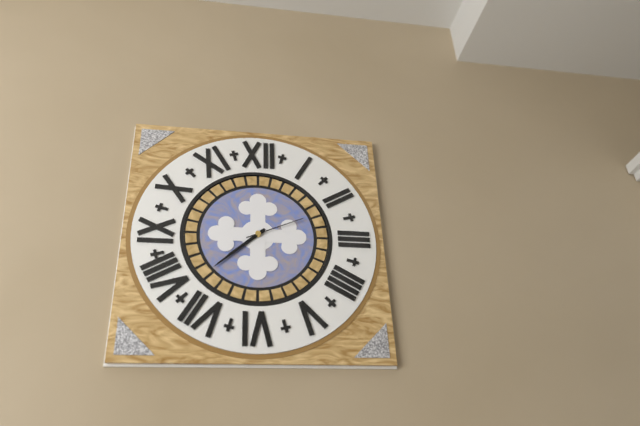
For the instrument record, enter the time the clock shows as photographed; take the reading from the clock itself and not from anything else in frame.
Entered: 7:38:11
